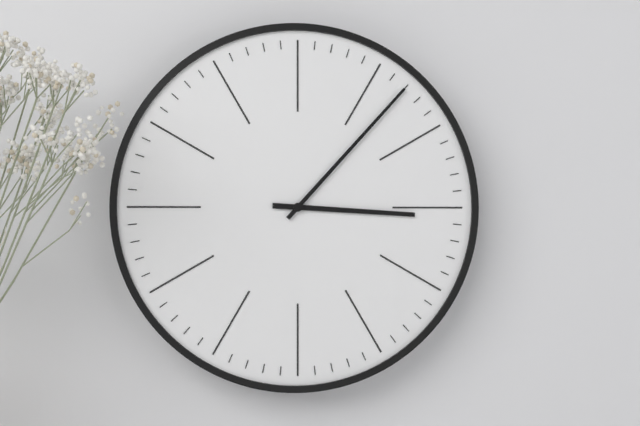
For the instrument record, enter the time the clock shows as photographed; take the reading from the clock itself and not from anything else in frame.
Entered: 3:07
